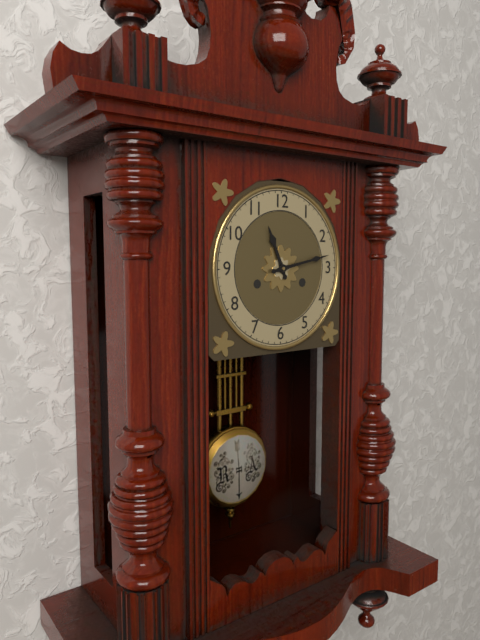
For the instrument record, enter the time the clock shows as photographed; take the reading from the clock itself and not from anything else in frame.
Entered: 11:13
